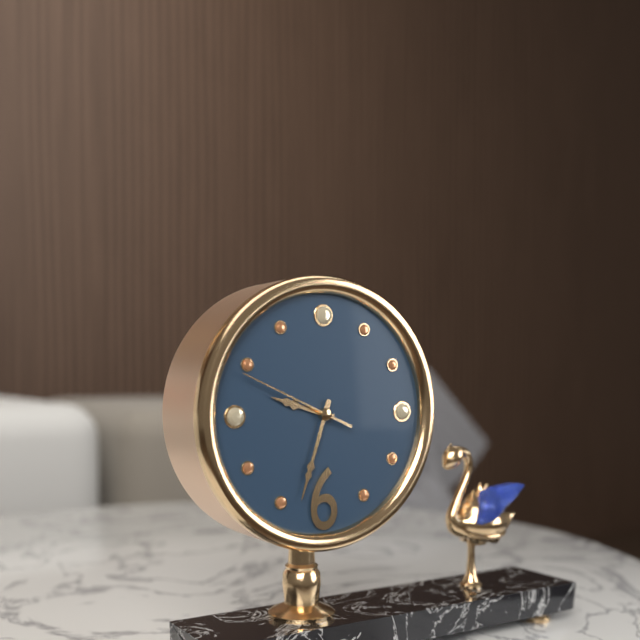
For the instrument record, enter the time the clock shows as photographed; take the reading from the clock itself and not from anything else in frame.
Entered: 9:33:49
